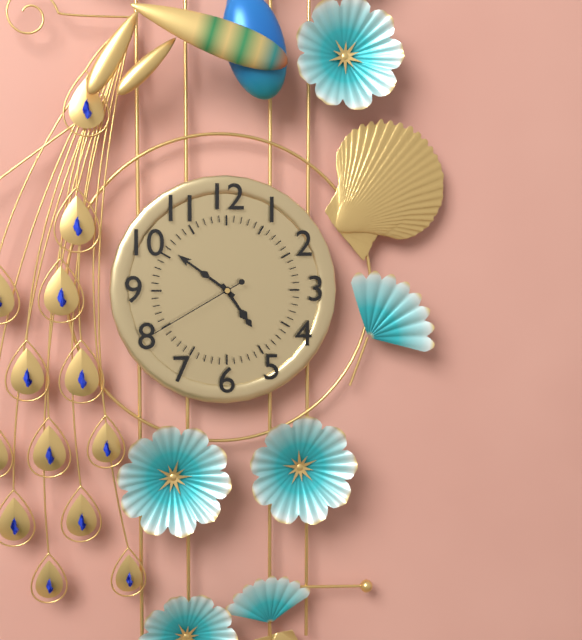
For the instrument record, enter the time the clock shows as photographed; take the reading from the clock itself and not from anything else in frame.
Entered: 4:51:40
